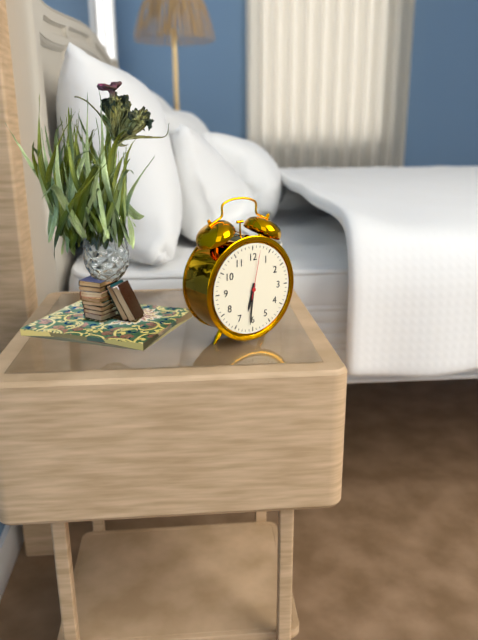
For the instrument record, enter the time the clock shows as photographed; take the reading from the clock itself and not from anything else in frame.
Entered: 6:31:02
